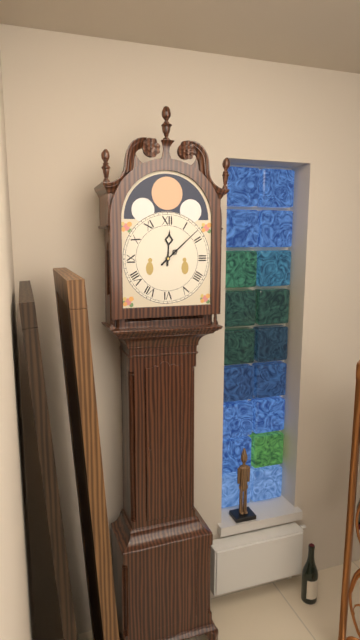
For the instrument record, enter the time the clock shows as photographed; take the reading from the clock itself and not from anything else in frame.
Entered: 12:08
